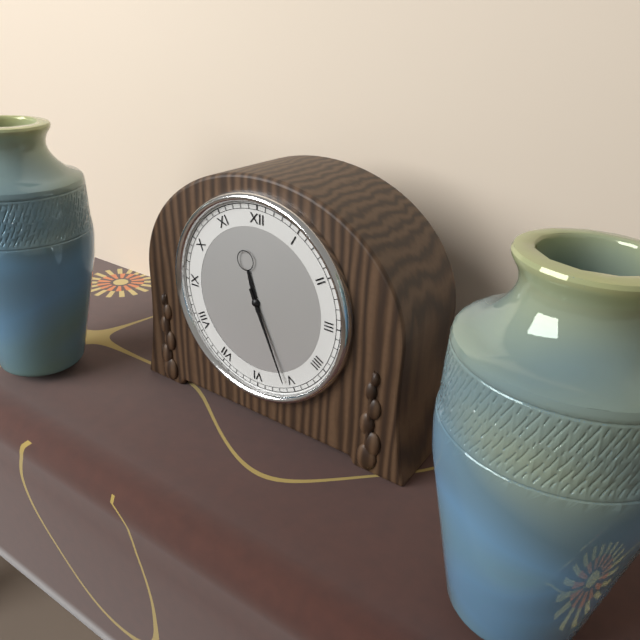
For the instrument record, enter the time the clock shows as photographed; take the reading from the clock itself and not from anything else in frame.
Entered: 11:26
